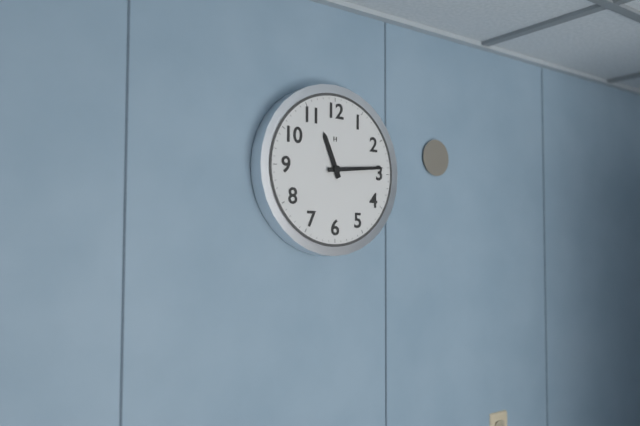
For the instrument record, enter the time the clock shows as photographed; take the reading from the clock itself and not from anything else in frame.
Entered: 11:14
